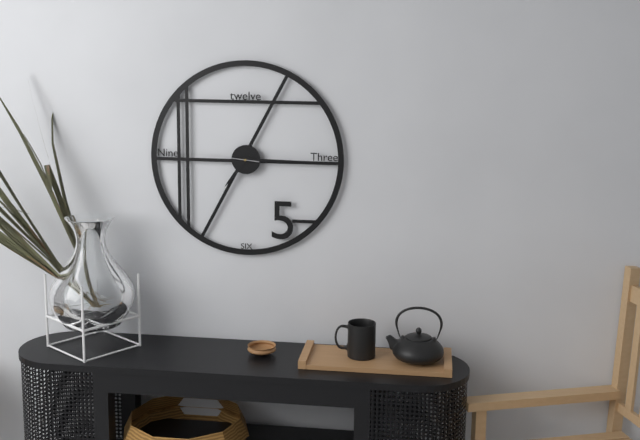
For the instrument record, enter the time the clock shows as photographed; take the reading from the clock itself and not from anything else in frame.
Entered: 7:15:46
